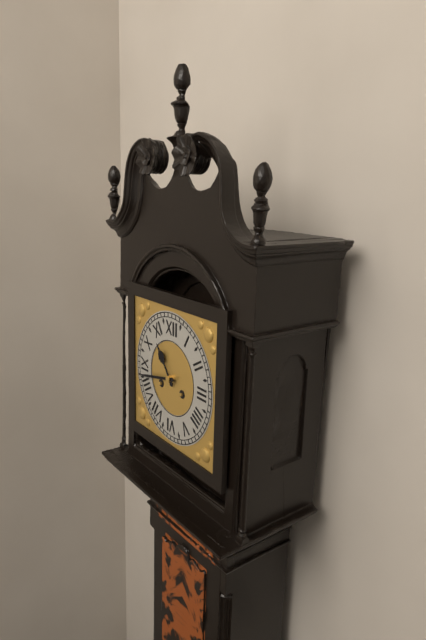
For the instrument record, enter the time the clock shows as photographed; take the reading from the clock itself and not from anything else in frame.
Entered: 10:43
